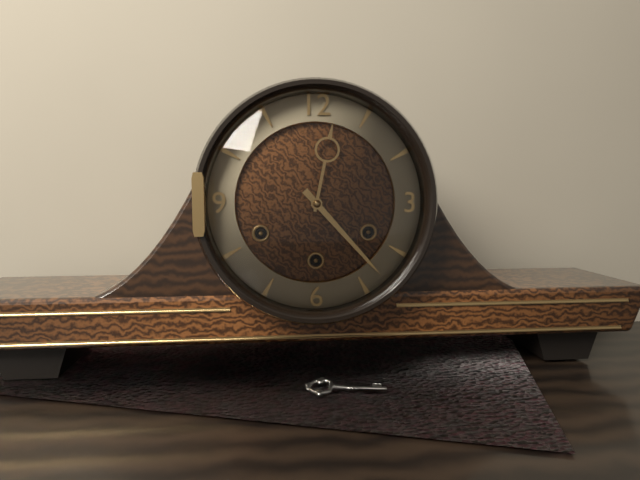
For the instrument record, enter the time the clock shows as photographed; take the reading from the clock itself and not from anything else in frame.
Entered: 12:23
